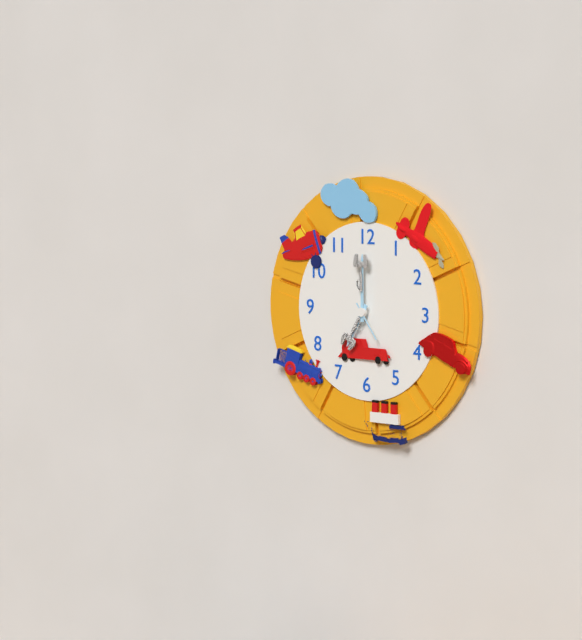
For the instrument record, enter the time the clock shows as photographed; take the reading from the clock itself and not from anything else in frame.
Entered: 7:00
